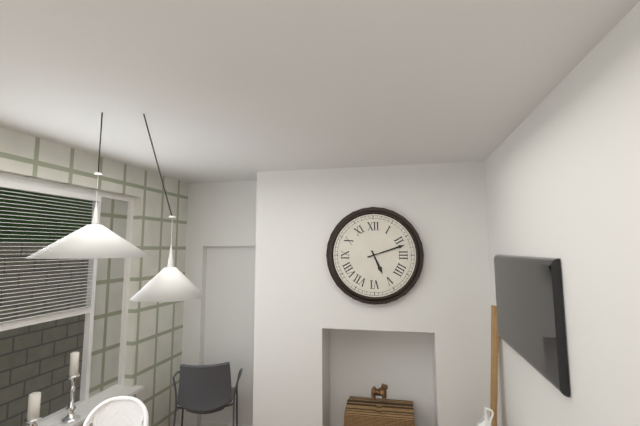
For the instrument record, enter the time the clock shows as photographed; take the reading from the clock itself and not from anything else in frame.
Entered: 5:12
